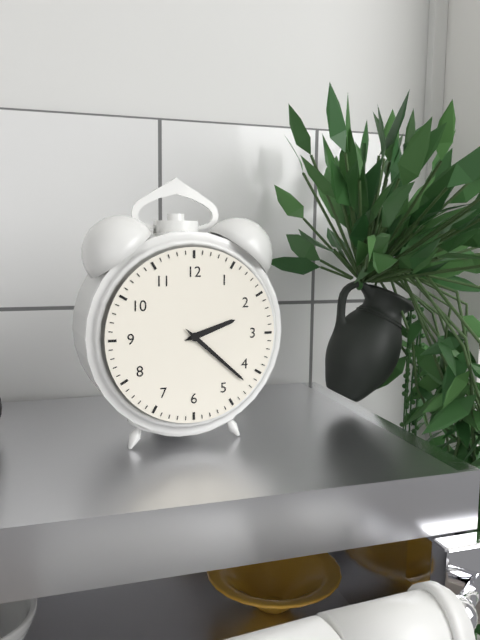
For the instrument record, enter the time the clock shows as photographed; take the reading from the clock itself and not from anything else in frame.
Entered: 2:22
